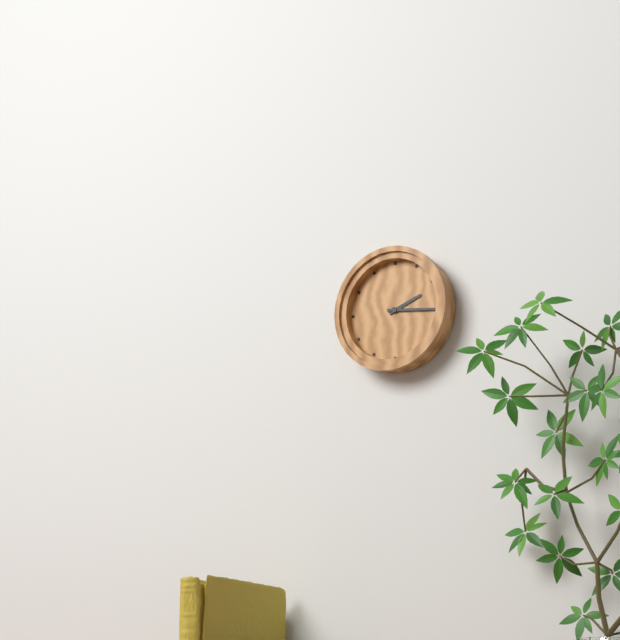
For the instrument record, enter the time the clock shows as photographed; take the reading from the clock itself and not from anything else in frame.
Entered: 2:16
